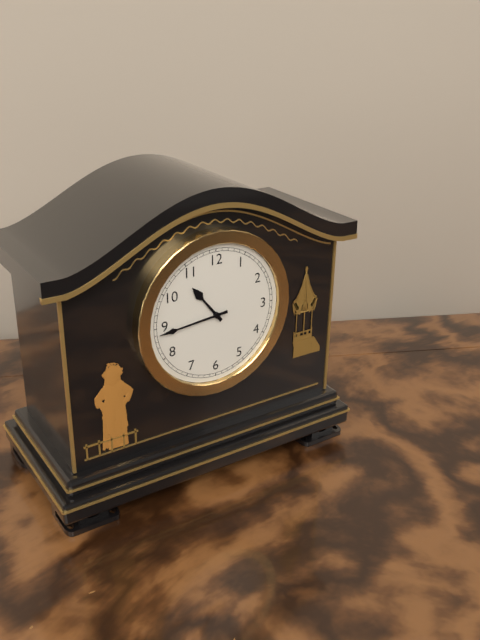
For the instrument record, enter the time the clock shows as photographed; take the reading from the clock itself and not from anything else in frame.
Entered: 10:44
